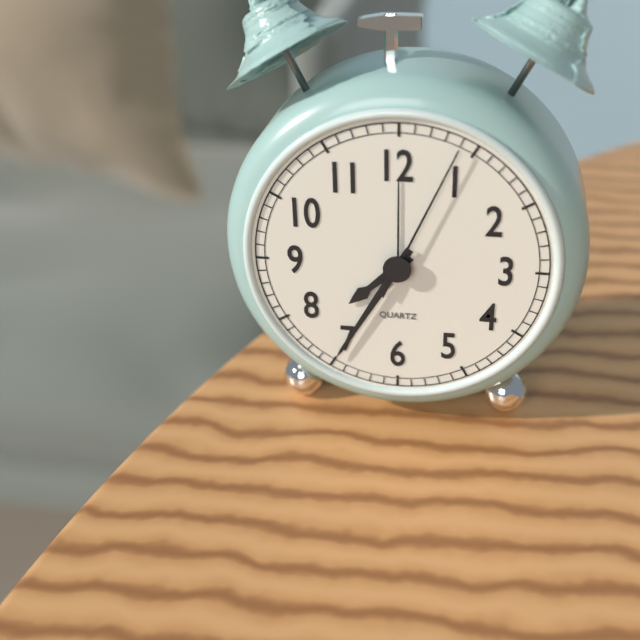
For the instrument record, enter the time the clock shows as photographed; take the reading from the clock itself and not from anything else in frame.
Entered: 7:35:04
